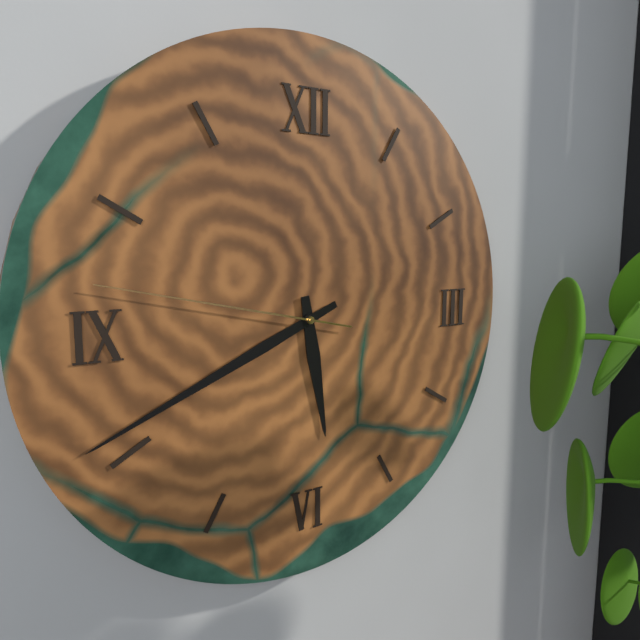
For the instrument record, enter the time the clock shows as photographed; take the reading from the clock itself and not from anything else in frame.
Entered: 5:41:47
